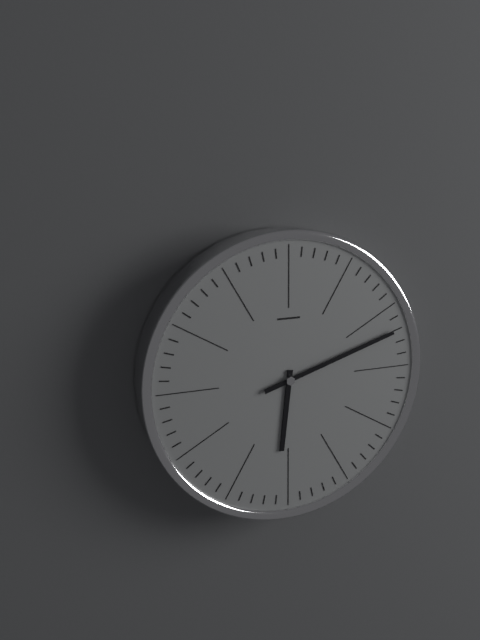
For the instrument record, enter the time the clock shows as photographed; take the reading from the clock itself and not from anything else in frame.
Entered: 6:12
